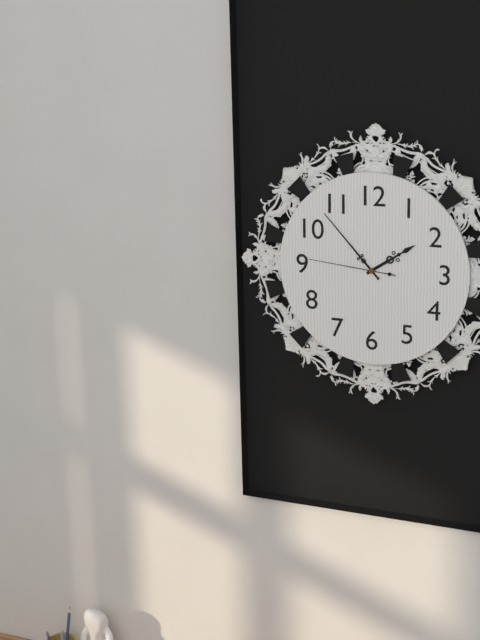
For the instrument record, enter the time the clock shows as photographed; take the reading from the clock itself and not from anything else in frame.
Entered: 1:53:46
